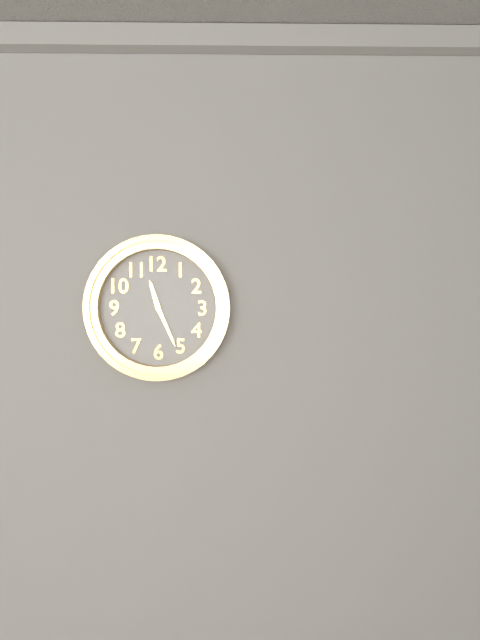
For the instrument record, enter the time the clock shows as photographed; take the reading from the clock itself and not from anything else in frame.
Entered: 11:26
